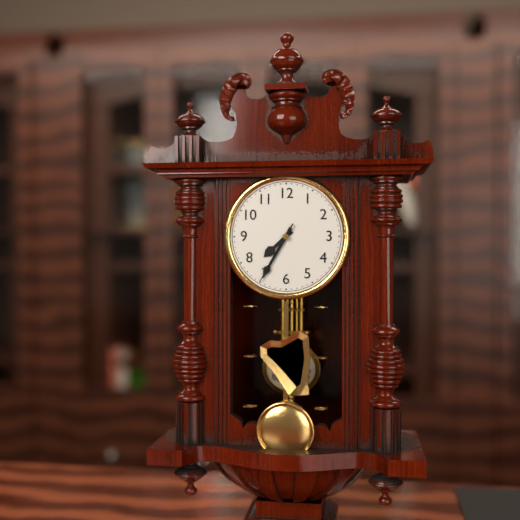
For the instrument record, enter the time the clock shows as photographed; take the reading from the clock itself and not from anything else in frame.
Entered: 7:35:35
